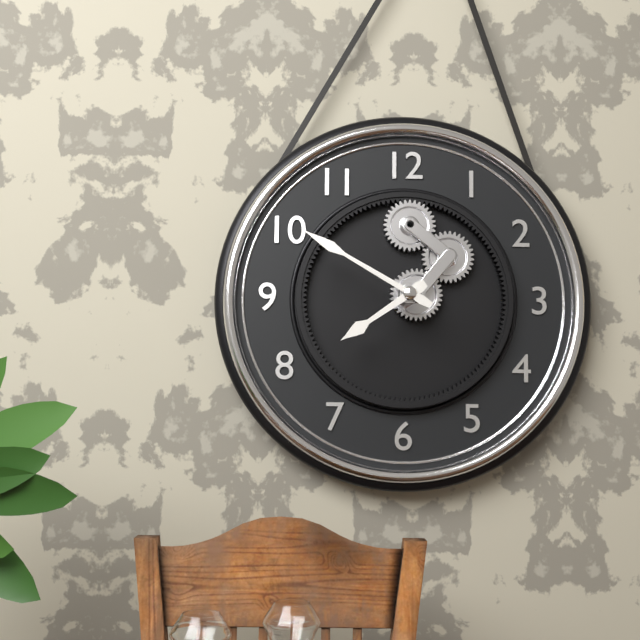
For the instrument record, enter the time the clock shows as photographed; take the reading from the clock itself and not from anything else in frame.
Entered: 7:50
